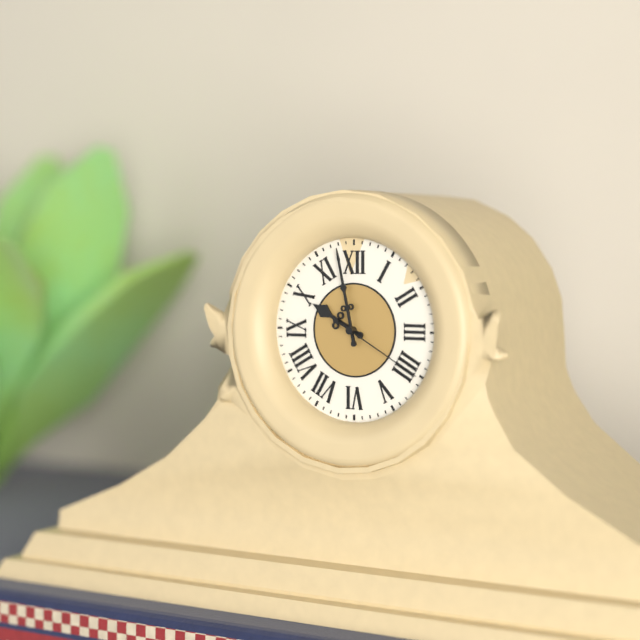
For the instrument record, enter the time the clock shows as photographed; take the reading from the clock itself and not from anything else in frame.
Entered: 9:58:20
